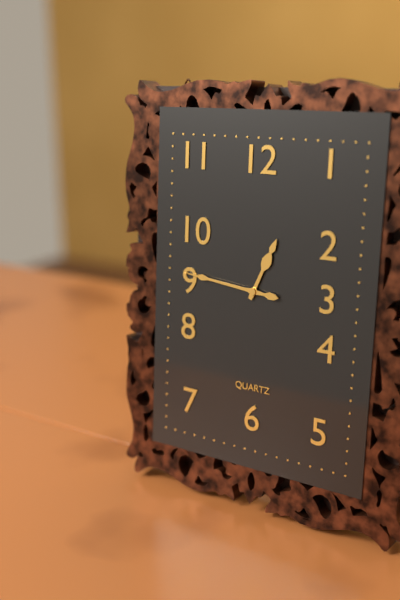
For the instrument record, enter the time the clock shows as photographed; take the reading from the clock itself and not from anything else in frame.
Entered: 12:46
